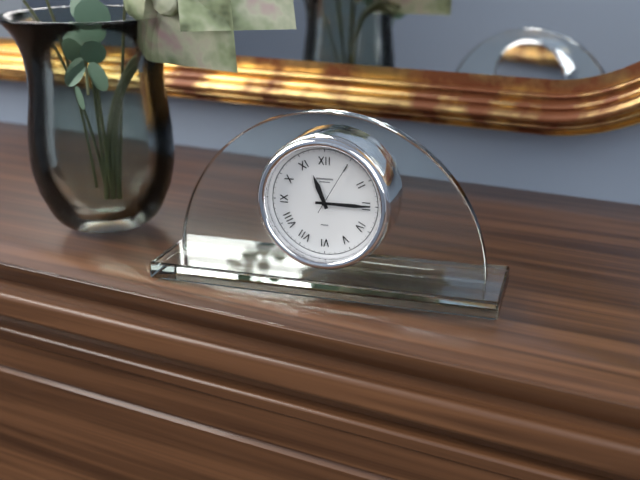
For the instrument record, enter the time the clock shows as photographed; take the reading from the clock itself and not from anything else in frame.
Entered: 11:15:05
